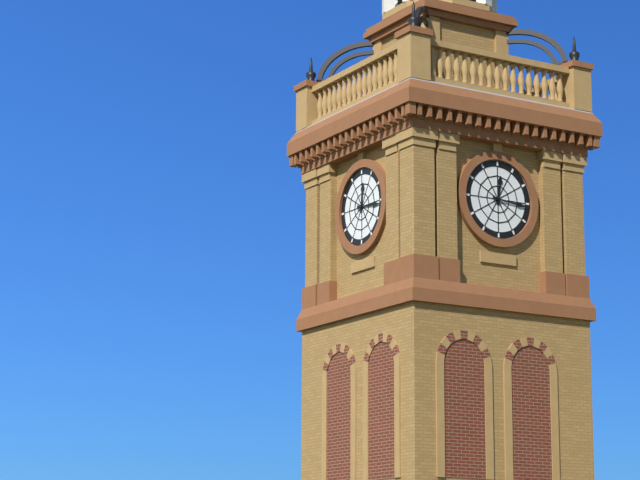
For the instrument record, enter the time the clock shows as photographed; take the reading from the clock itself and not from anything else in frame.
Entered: 12:16
